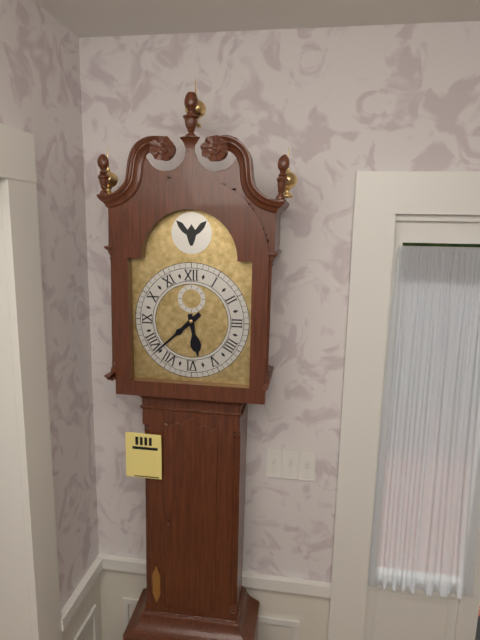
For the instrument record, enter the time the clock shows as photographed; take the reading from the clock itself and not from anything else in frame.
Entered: 5:38
